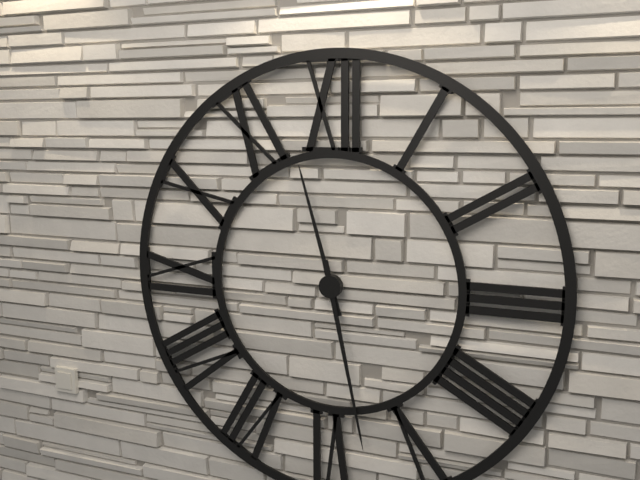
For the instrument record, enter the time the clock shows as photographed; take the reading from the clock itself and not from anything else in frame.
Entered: 11:28
